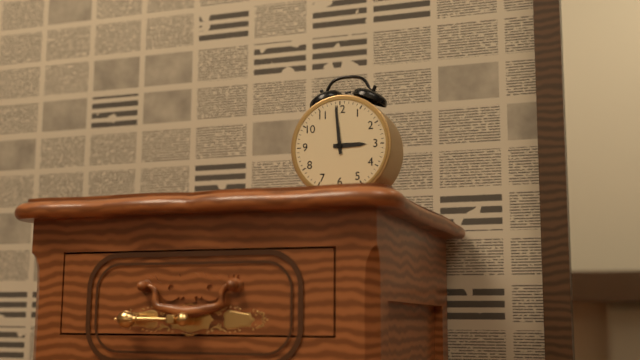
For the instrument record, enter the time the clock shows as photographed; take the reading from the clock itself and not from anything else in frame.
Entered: 2:59
